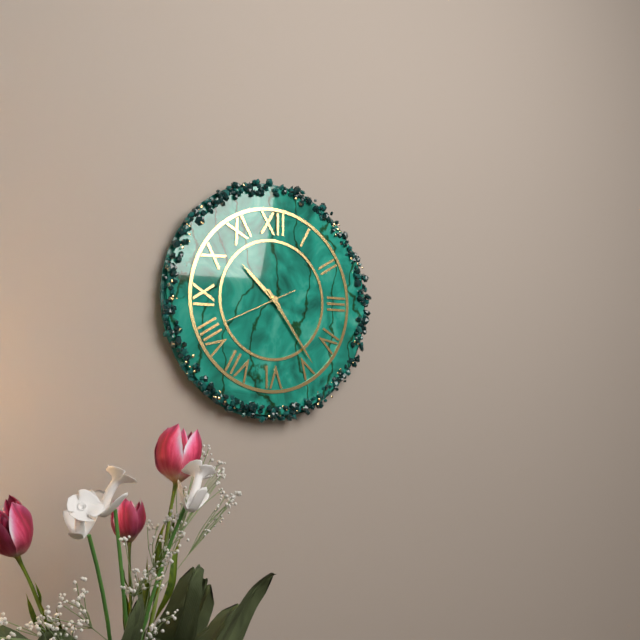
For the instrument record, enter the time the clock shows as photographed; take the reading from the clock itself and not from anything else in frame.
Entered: 10:24:41
